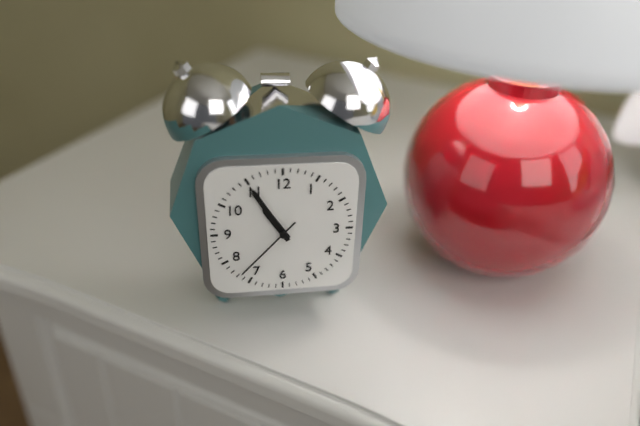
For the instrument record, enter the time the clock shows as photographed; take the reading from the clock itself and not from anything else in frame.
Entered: 10:55:37
